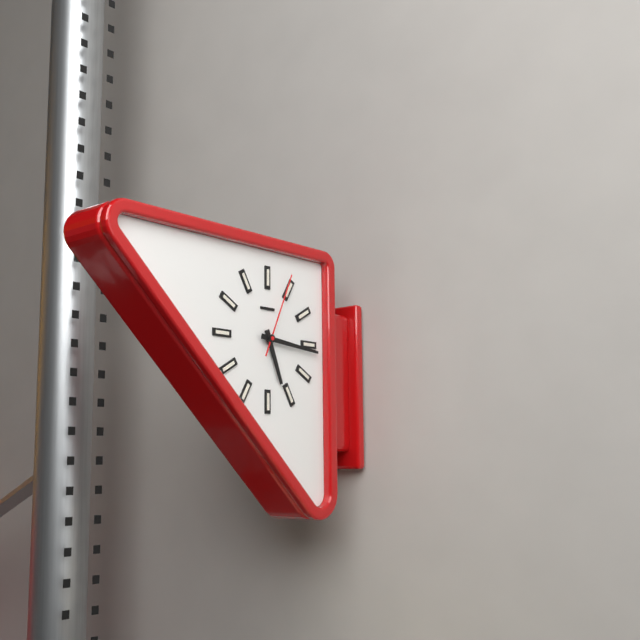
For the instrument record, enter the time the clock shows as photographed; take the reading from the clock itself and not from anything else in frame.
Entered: 5:16:04
